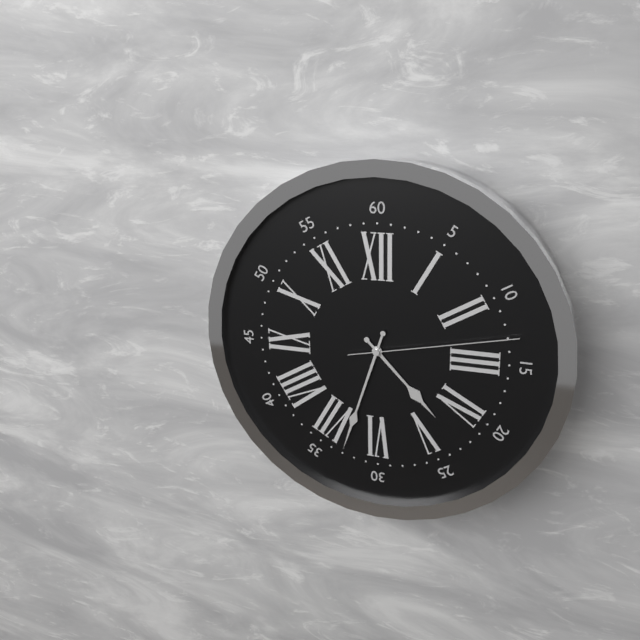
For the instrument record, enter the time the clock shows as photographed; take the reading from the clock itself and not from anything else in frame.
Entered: 4:33:13
